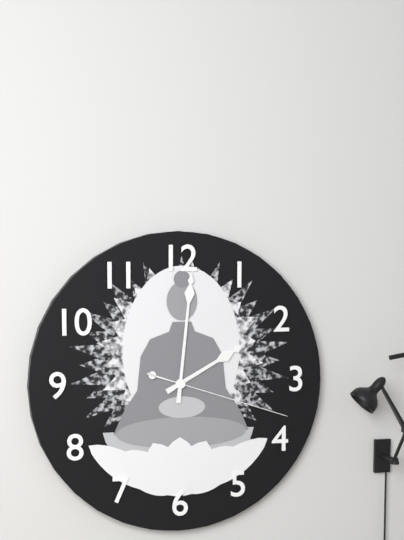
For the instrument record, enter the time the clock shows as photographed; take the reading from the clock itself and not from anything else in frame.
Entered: 2:01:18
